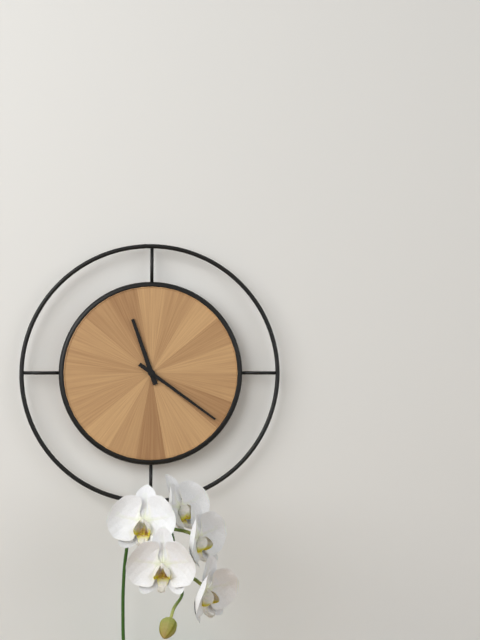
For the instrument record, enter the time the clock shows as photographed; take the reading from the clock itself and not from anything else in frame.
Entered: 11:21
